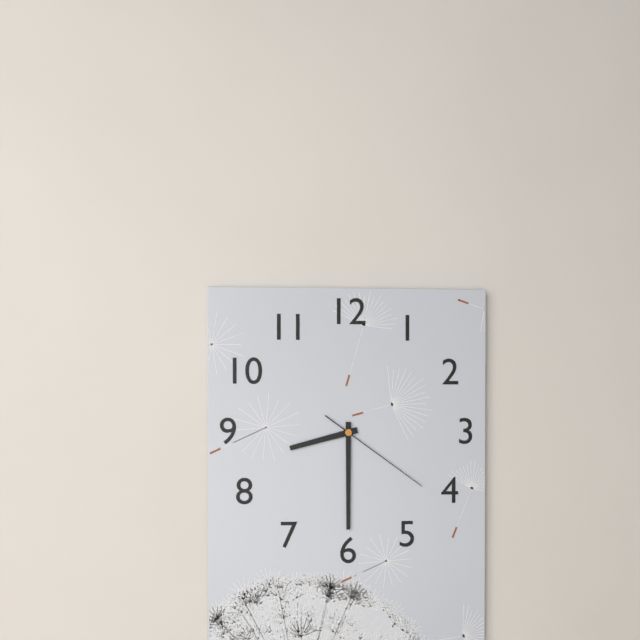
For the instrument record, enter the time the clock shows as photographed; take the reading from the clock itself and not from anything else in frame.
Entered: 8:30:21
